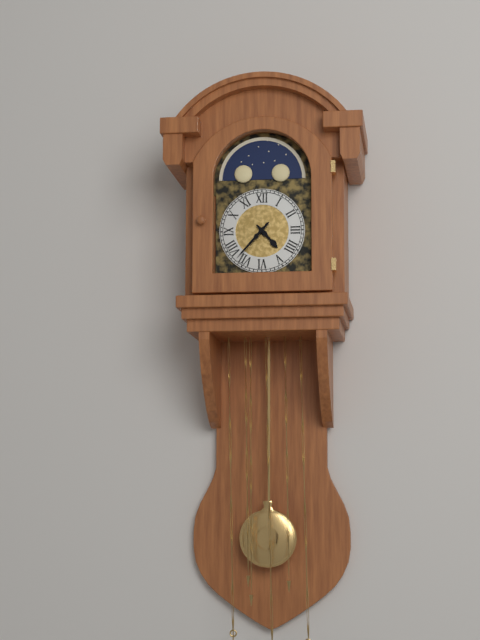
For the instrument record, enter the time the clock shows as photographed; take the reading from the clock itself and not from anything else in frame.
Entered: 4:37
